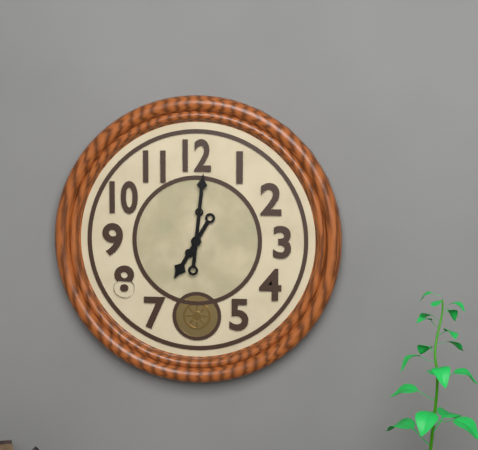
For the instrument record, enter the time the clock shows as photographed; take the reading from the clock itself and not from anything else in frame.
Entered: 7:01
